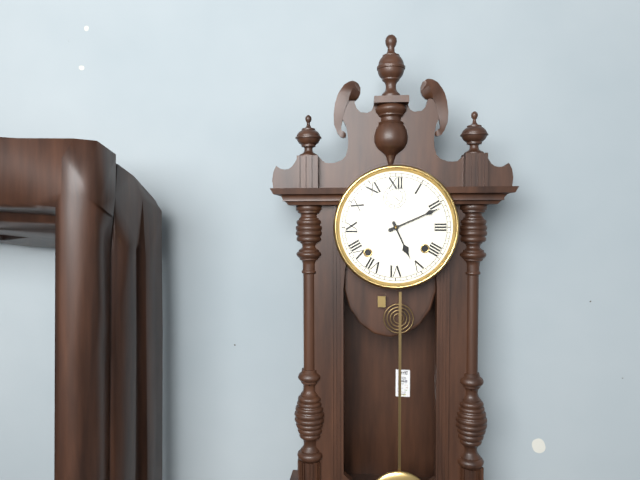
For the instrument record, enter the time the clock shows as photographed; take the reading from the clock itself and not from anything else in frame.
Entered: 5:11
